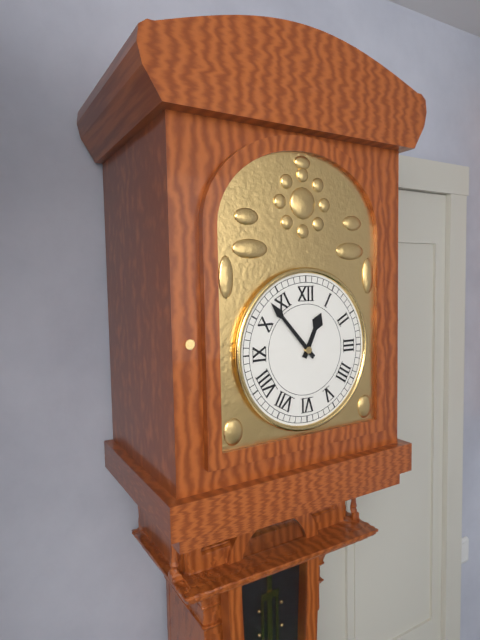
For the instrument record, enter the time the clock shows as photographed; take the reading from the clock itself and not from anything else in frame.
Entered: 12:53
